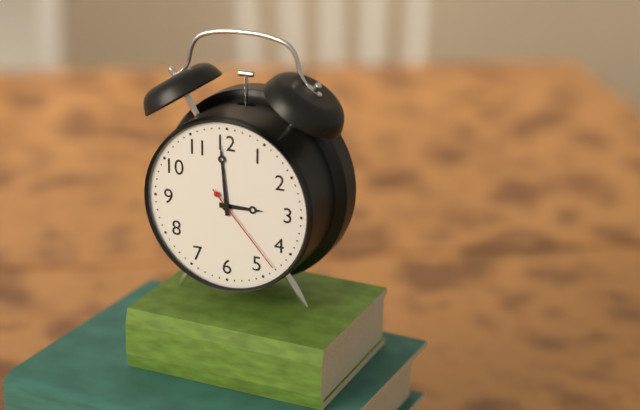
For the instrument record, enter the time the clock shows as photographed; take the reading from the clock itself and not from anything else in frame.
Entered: 2:59:23
